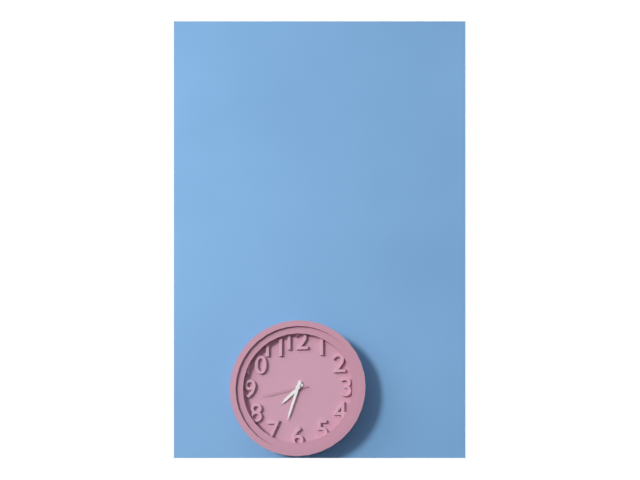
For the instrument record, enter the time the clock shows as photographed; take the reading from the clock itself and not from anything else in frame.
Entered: 7:33
